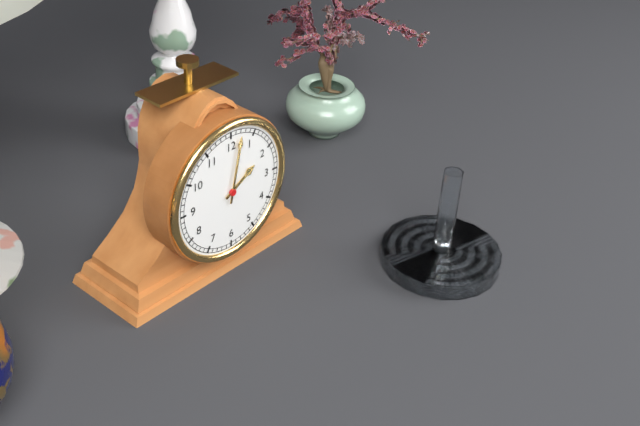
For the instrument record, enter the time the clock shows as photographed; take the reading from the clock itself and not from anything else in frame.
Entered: 2:02
